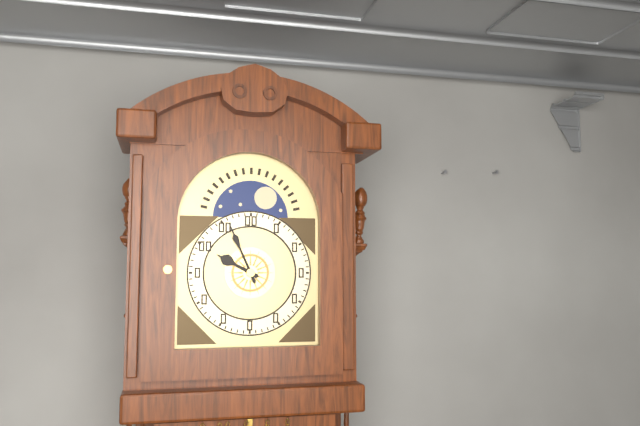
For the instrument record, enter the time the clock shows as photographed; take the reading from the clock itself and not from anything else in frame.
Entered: 9:56
